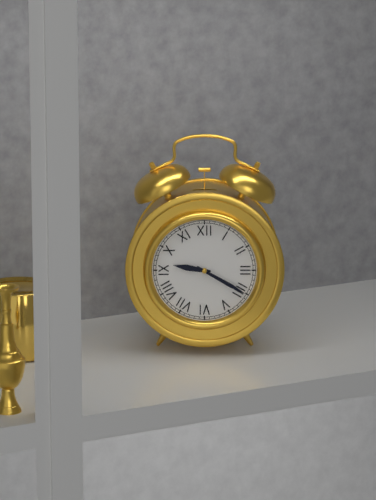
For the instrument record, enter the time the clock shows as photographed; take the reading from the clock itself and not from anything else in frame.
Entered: 9:20
